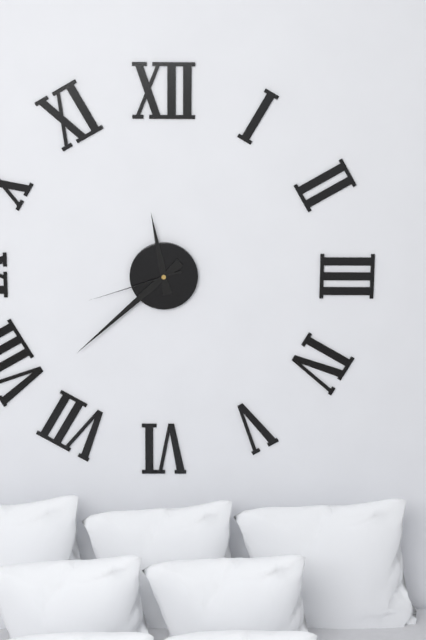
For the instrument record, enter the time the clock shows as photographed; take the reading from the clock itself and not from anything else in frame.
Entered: 11:38:42
